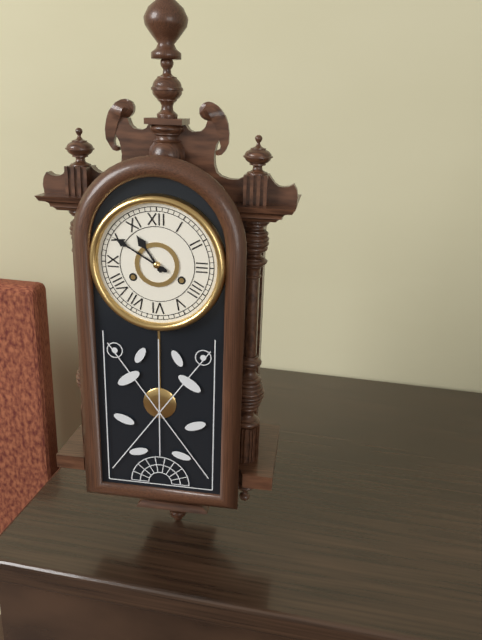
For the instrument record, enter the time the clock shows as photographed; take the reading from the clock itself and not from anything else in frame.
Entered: 10:50
